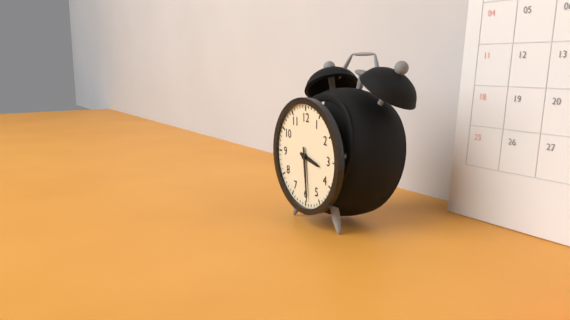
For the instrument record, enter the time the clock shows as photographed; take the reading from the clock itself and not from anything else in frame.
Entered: 3:29
